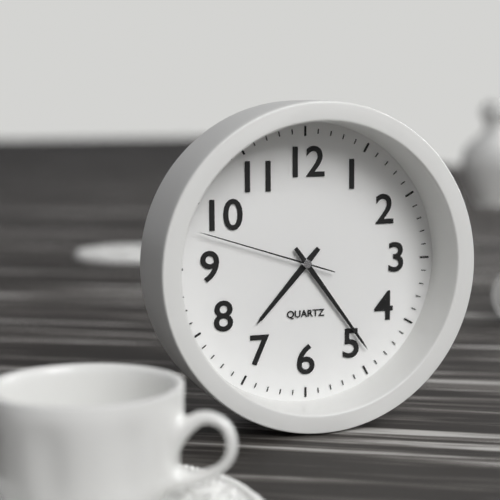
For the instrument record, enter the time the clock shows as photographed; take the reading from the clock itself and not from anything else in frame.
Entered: 7:24:48
